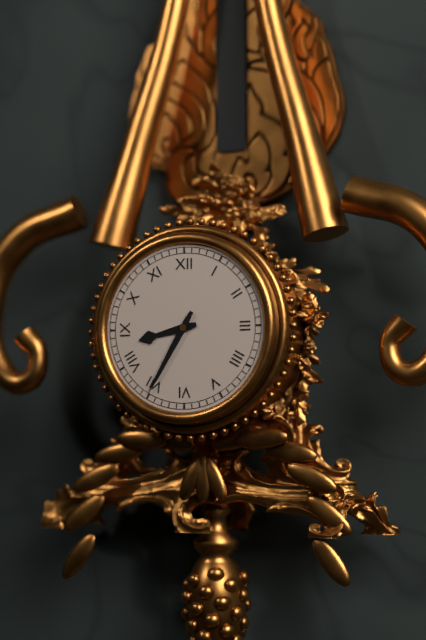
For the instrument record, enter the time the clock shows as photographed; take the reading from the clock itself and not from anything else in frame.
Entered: 8:35
